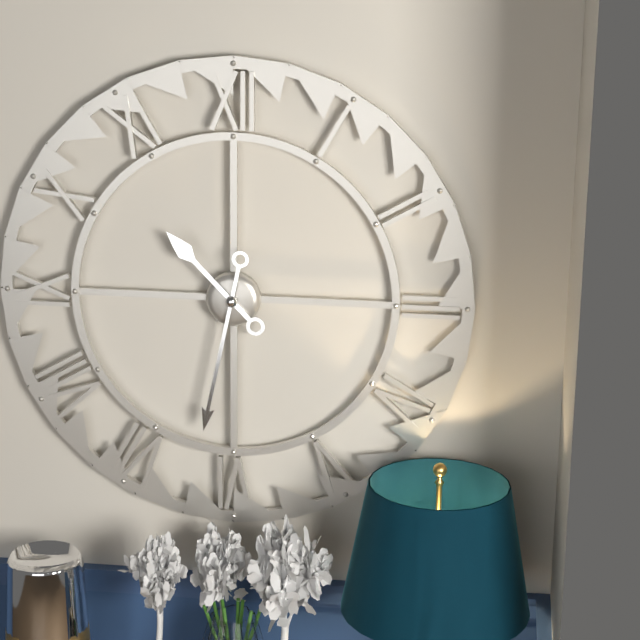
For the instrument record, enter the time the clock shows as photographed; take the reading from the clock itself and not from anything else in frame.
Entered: 10:32
